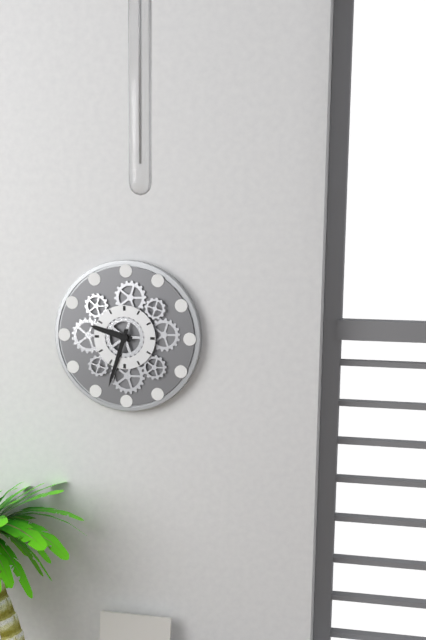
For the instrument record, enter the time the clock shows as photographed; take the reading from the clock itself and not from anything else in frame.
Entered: 9:33
